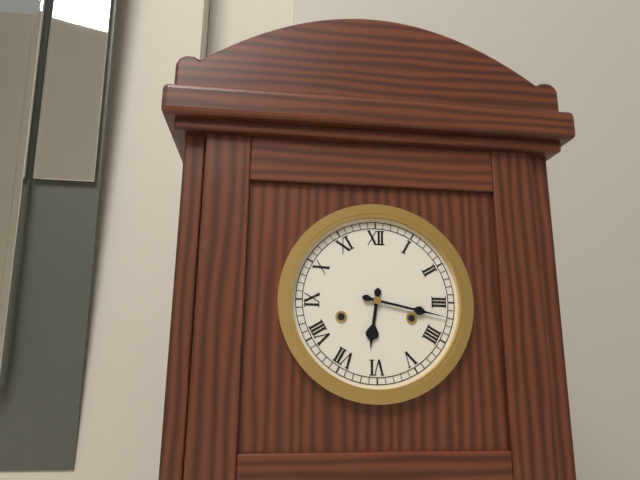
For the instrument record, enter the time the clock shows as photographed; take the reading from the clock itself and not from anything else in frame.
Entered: 6:17
